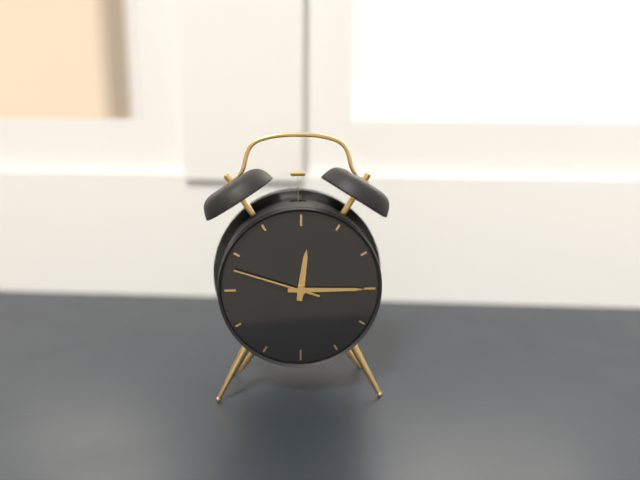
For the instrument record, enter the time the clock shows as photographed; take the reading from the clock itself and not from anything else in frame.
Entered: 12:15:48
